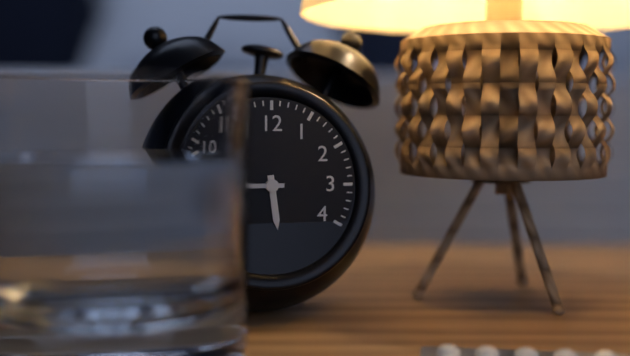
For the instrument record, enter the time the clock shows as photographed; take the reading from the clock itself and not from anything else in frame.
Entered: 5:45
